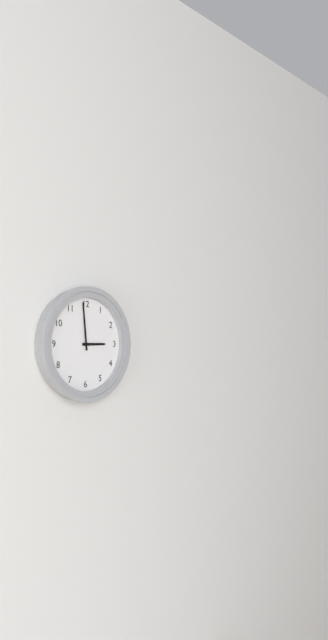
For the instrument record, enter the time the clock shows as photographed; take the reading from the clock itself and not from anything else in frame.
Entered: 2:59
